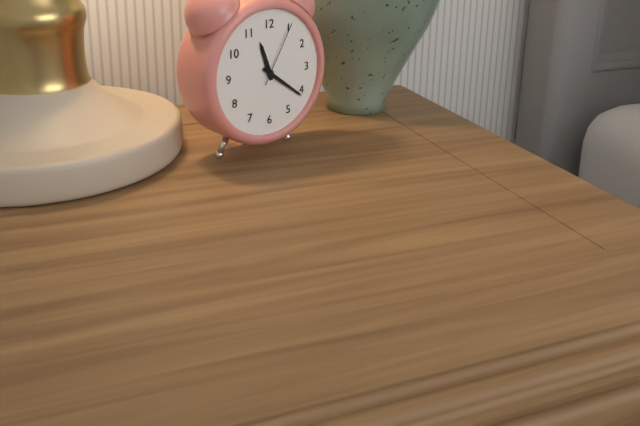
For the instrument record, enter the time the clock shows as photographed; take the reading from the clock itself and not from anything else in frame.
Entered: 11:21:05
